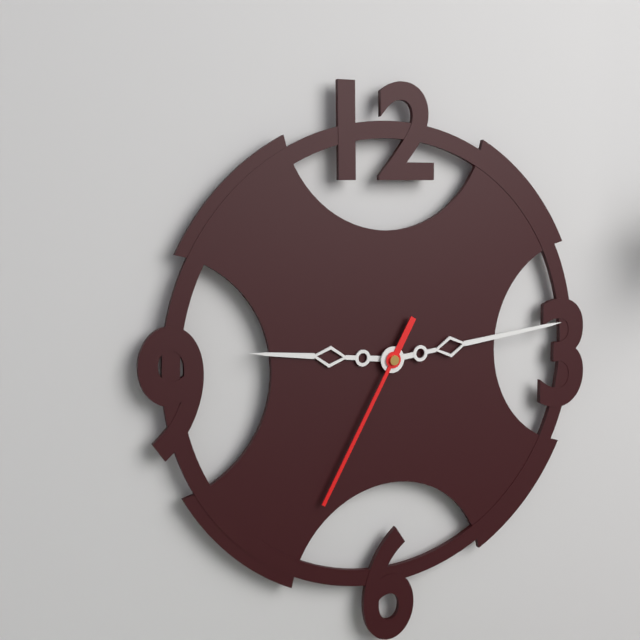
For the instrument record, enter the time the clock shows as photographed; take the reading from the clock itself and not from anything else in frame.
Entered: 9:14:35
